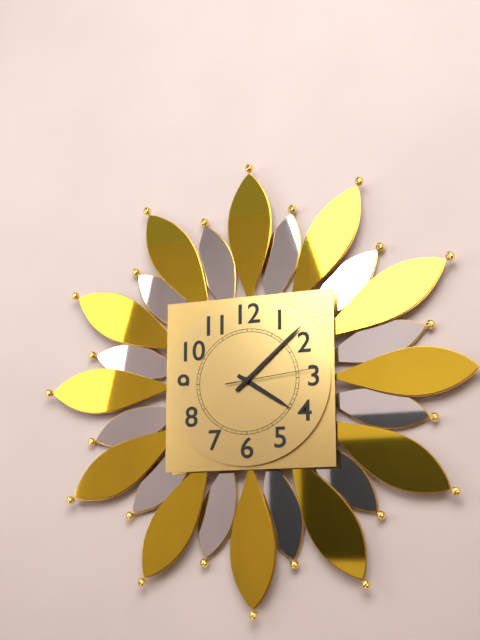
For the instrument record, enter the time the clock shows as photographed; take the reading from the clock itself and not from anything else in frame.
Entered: 4:08:14
